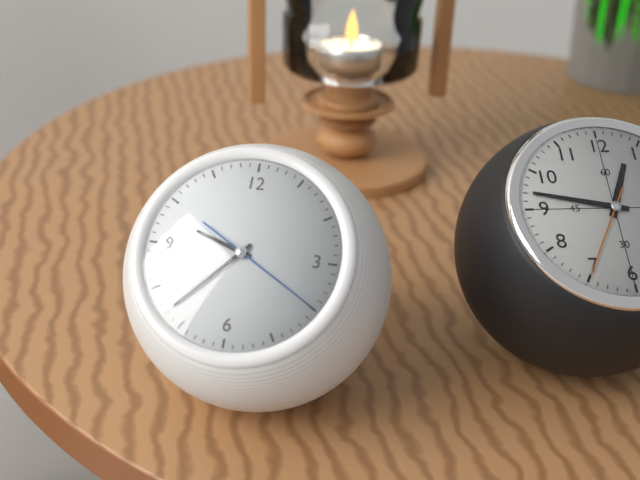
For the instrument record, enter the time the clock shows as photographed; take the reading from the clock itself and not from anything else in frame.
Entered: 9:37:20
